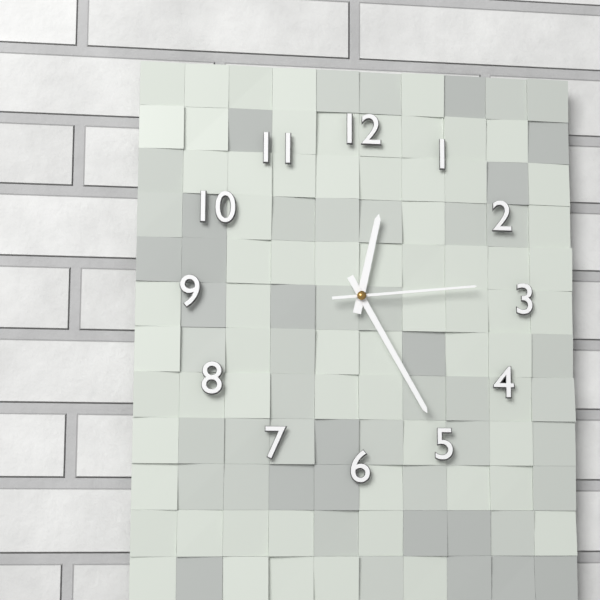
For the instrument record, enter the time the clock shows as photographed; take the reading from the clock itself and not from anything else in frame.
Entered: 12:25:14
